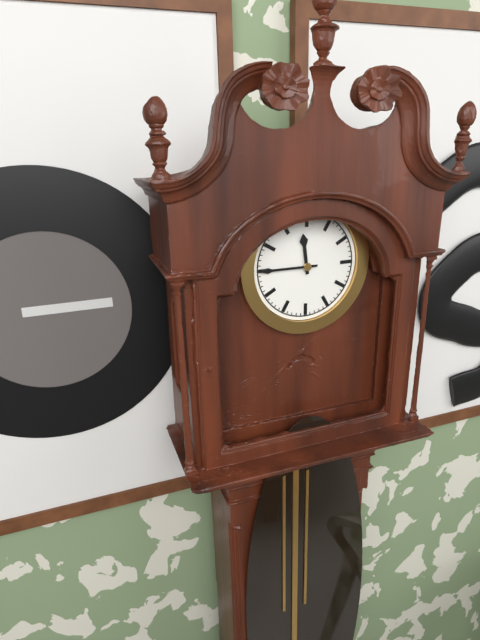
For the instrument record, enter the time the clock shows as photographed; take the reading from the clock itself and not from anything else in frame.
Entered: 11:45
